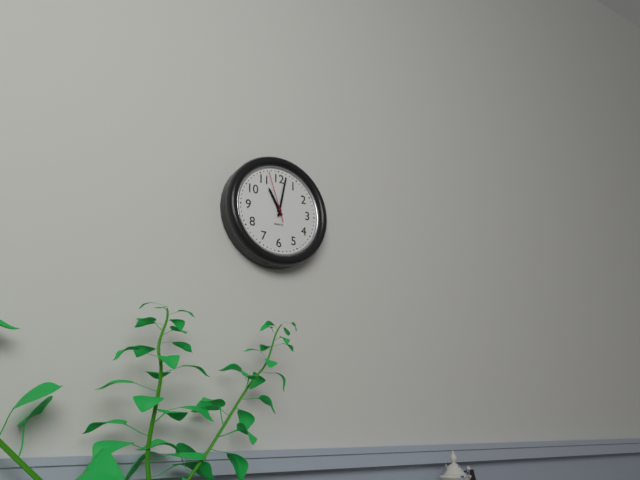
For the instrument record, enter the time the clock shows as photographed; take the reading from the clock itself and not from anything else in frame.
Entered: 11:02:57
